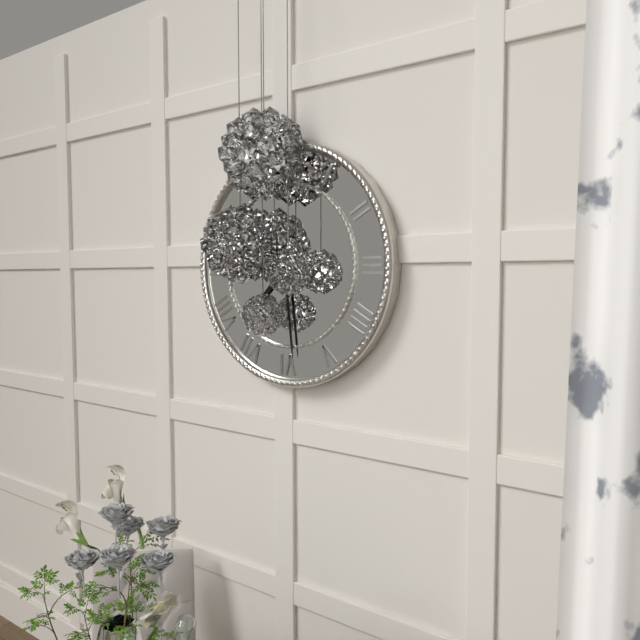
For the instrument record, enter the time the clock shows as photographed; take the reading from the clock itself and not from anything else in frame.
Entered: 7:29
